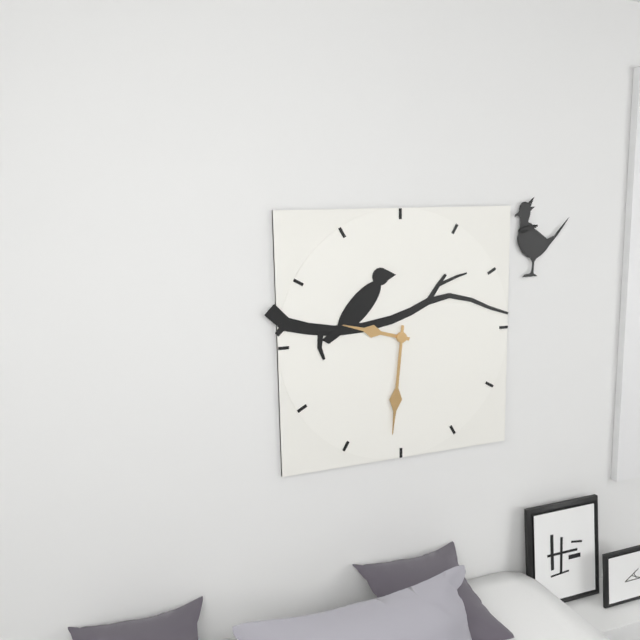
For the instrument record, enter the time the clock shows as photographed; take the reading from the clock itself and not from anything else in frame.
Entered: 9:31
